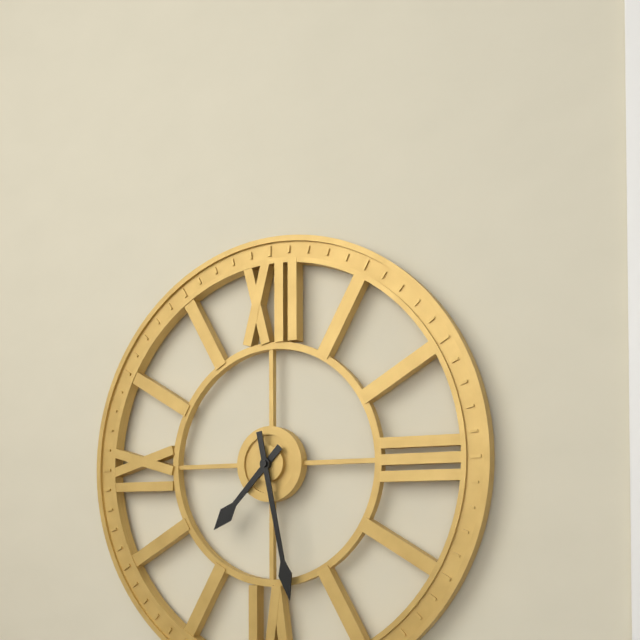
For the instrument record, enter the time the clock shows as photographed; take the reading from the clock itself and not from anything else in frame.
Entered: 7:28
